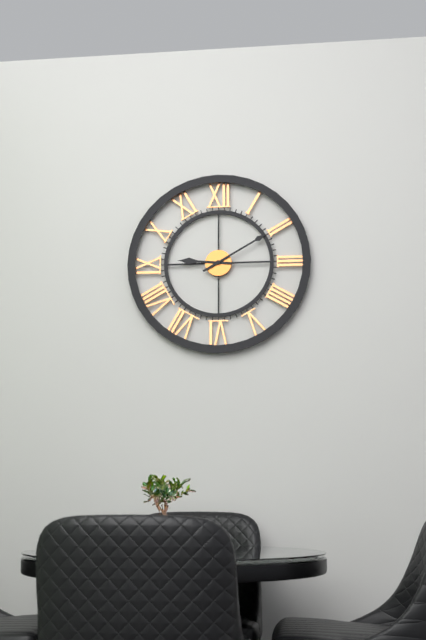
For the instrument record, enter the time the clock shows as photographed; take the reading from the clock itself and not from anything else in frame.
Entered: 9:10
